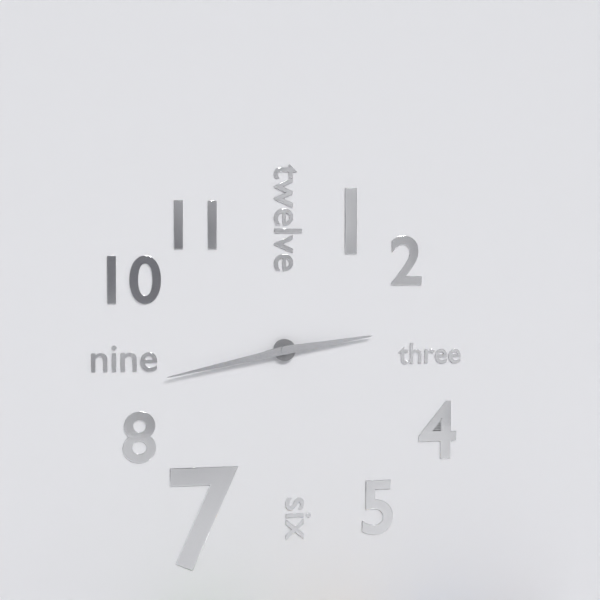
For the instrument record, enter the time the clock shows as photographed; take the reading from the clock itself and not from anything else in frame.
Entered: 2:43
